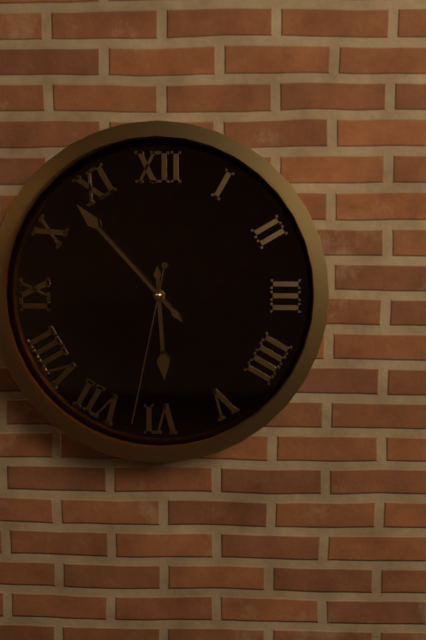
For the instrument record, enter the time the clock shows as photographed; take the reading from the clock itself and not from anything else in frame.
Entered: 5:53:32
